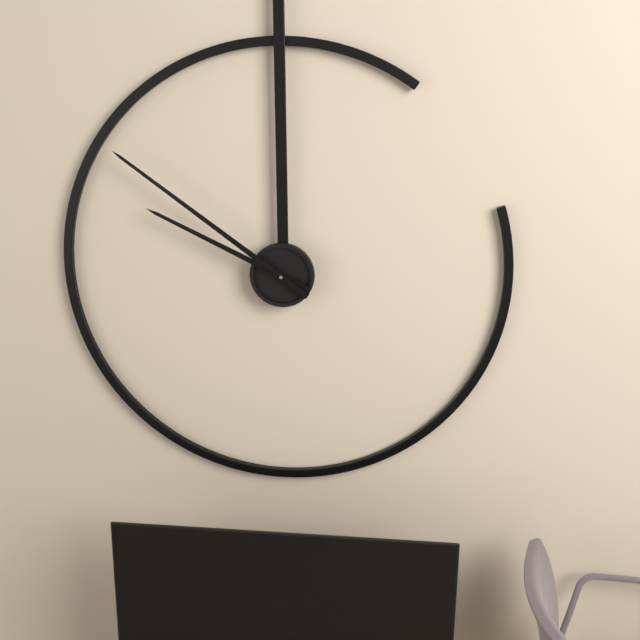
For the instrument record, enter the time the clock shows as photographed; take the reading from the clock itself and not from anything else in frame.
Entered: 9:51
